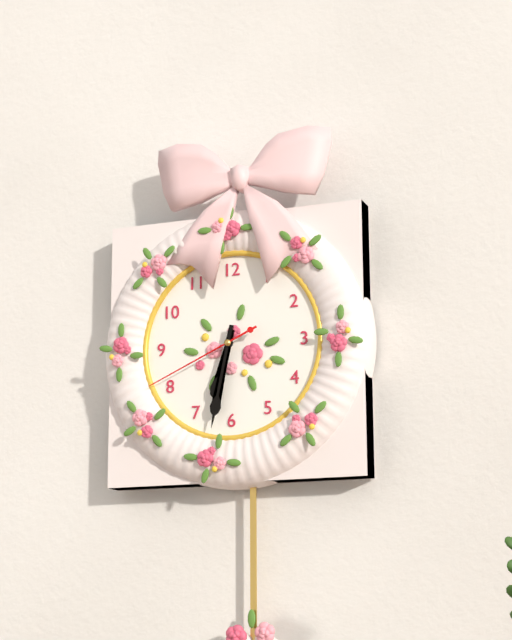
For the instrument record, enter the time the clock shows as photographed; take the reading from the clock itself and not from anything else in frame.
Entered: 6:32:41
